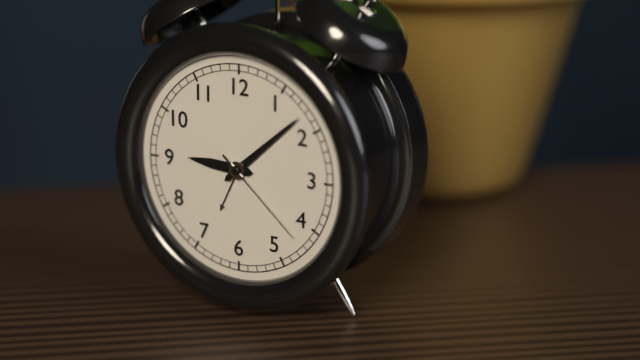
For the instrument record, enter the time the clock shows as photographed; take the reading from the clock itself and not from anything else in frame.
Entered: 9:08:22
